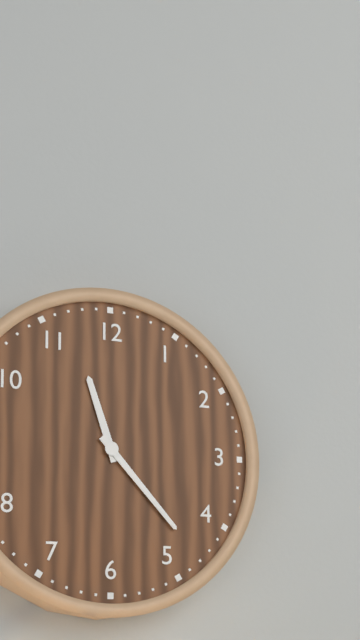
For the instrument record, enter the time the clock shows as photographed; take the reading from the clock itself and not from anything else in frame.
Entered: 11:23
